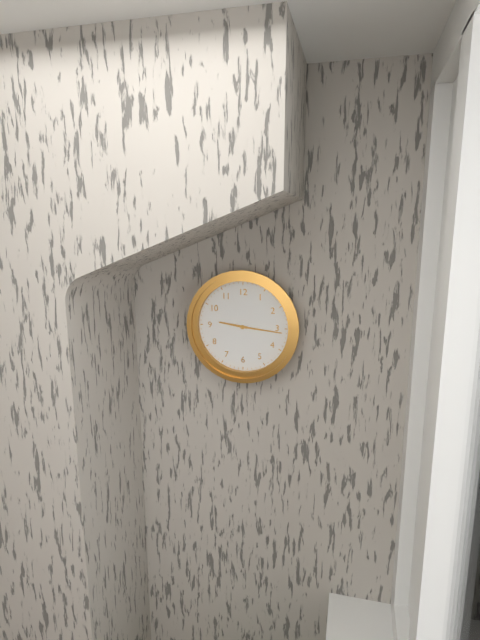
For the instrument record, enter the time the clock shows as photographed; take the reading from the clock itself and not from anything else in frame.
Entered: 9:16
